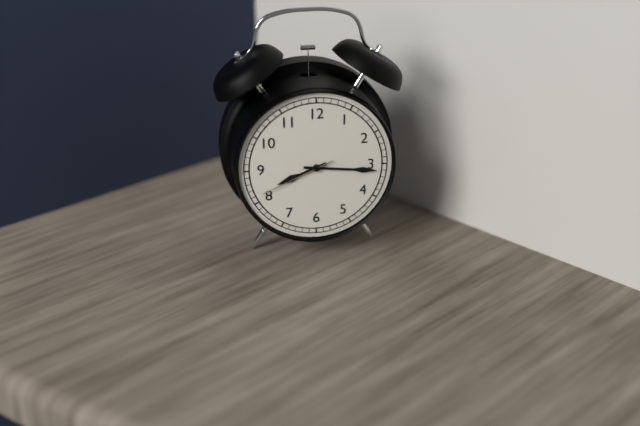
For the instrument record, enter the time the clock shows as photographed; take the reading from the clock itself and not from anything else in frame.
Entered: 8:16:41
